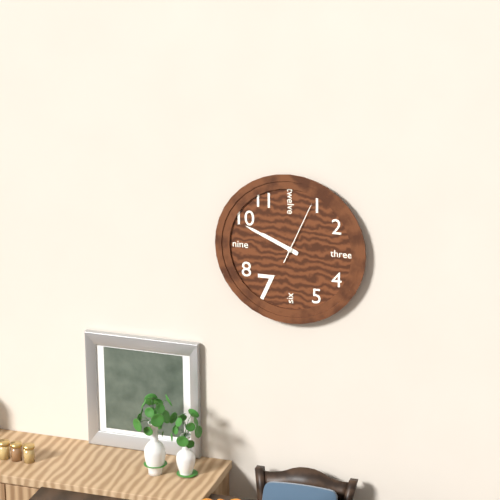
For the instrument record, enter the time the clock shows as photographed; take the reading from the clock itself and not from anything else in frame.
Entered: 9:49:04
